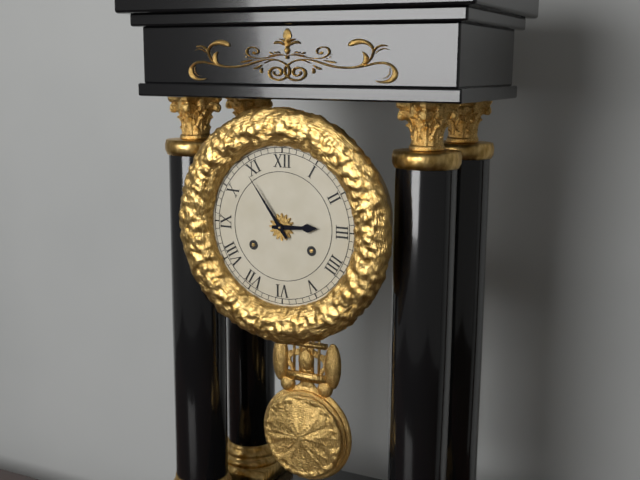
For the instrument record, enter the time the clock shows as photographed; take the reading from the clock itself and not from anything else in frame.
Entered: 2:54
